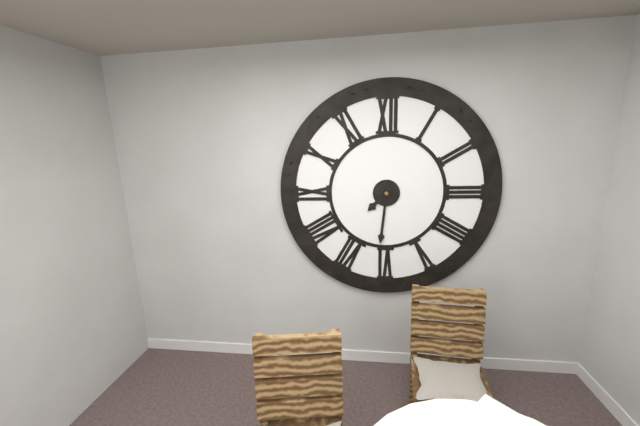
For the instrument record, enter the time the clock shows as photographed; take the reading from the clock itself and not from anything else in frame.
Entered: 7:31
